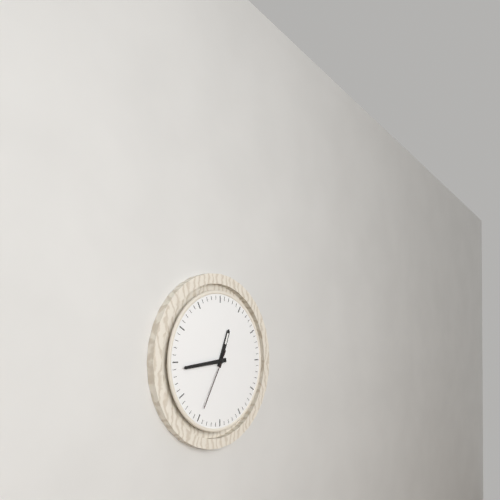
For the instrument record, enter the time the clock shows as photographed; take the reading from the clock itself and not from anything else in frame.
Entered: 12:44:35
